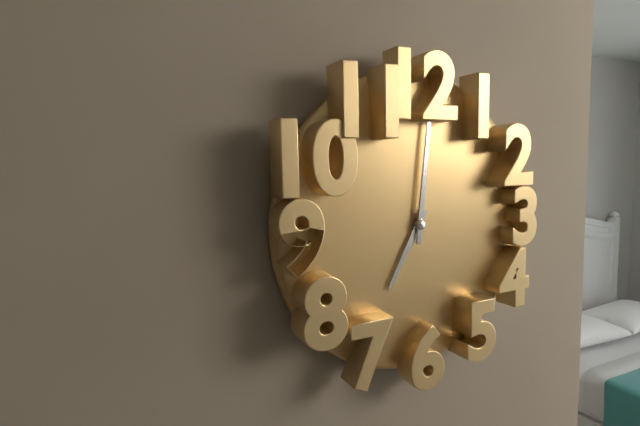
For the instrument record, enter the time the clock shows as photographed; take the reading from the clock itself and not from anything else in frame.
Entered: 7:01
